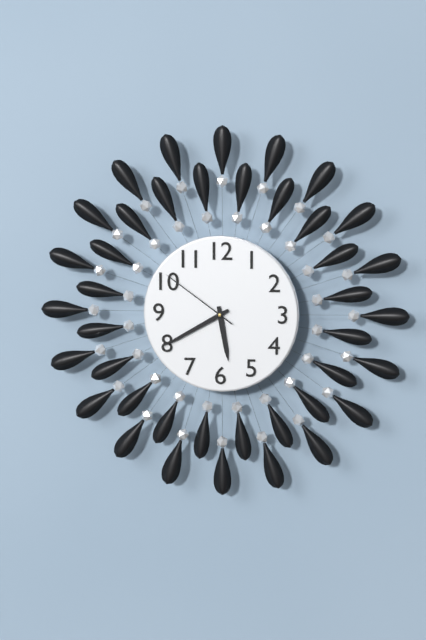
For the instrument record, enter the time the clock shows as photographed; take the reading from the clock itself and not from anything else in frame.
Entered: 5:40:51
